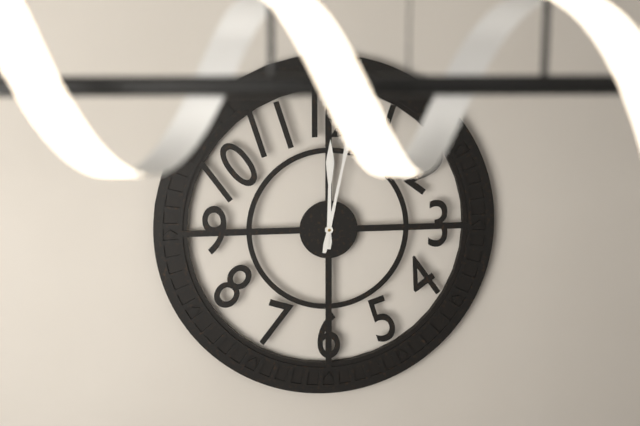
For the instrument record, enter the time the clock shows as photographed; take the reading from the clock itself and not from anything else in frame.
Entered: 12:02
